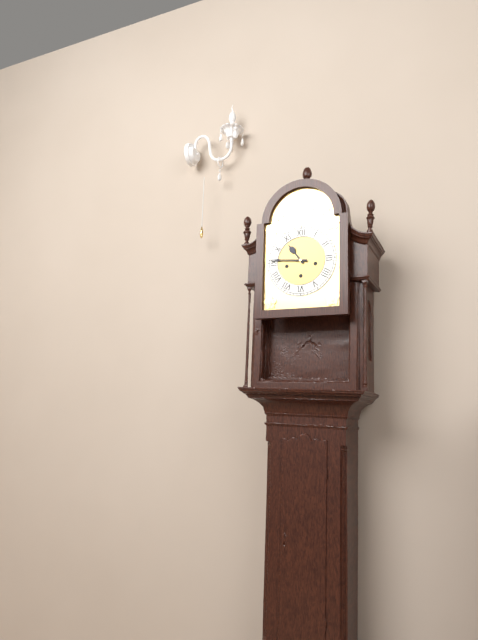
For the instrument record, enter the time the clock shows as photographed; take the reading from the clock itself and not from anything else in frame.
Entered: 10:46
